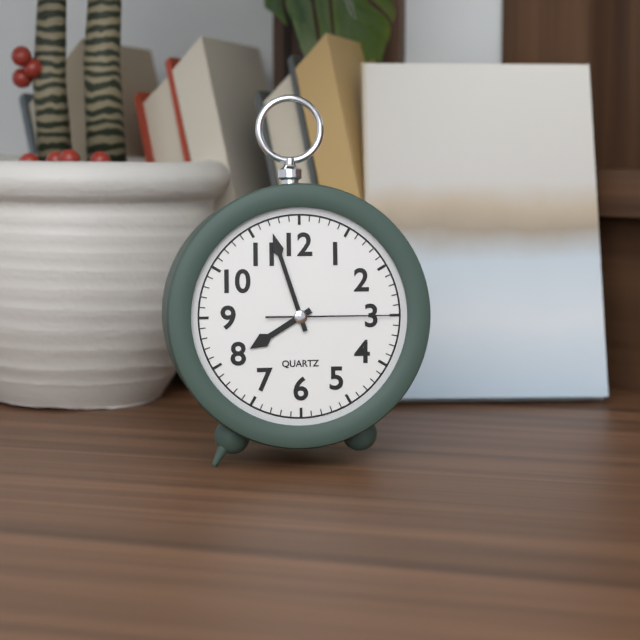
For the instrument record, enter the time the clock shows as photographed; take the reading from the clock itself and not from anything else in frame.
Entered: 7:57:15
